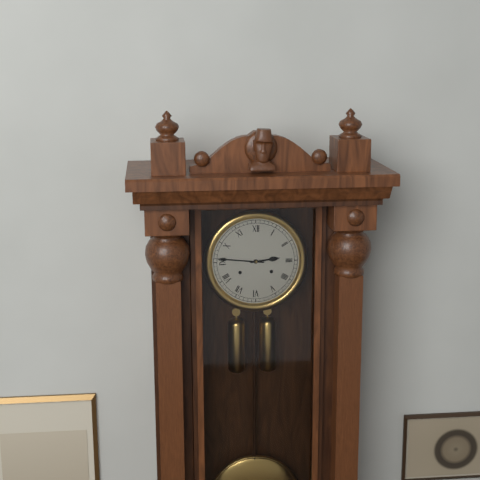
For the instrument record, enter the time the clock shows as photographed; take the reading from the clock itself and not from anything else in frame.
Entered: 2:46
